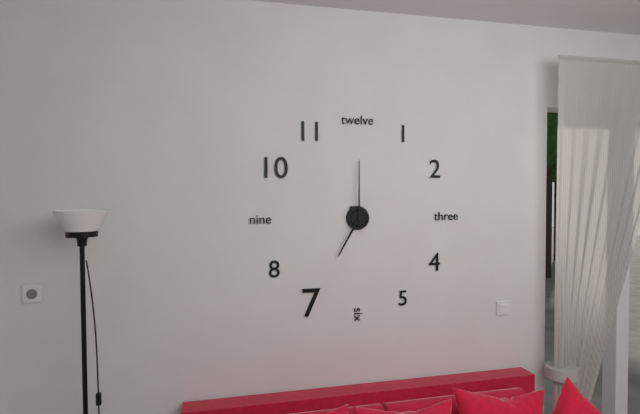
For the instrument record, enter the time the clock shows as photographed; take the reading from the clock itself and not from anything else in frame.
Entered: 7:00
